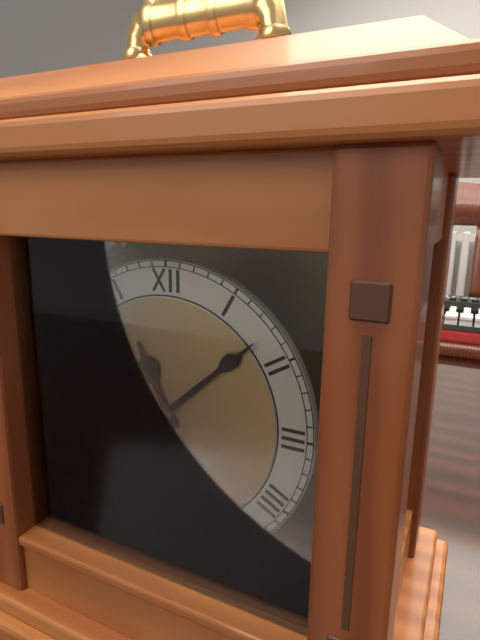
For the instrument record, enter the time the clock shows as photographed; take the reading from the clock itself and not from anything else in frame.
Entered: 11:08
